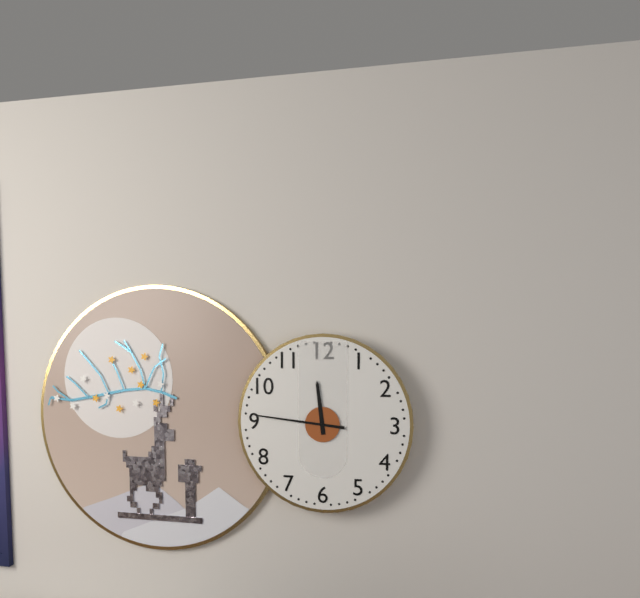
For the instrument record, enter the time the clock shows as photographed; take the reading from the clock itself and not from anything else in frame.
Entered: 11:46
